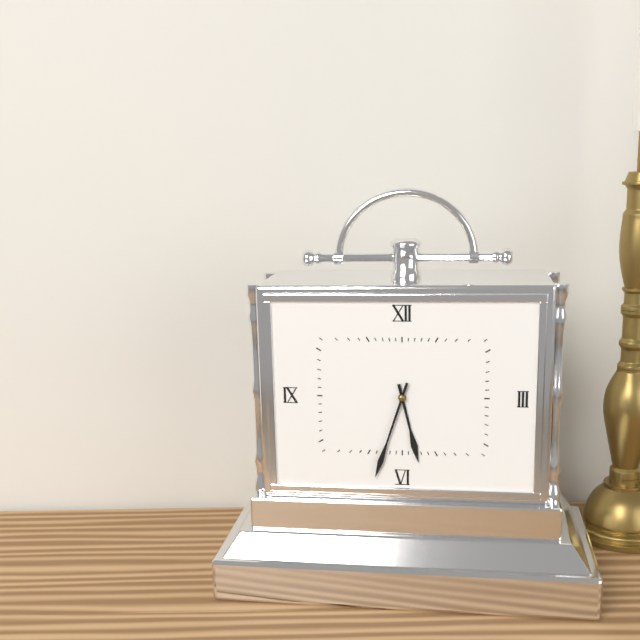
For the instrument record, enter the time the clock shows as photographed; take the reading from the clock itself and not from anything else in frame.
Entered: 5:33
